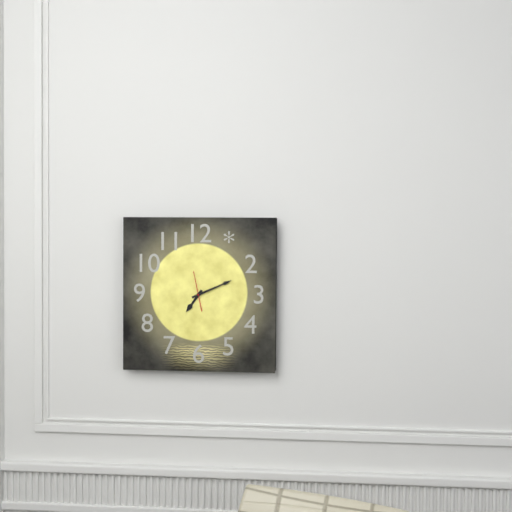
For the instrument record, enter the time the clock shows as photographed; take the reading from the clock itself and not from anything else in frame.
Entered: 7:11
